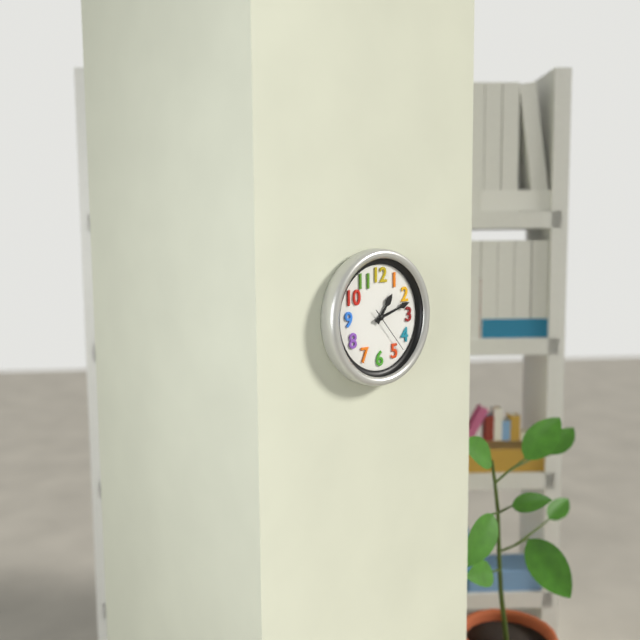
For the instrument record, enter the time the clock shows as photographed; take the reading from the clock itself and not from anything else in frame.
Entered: 1:12
